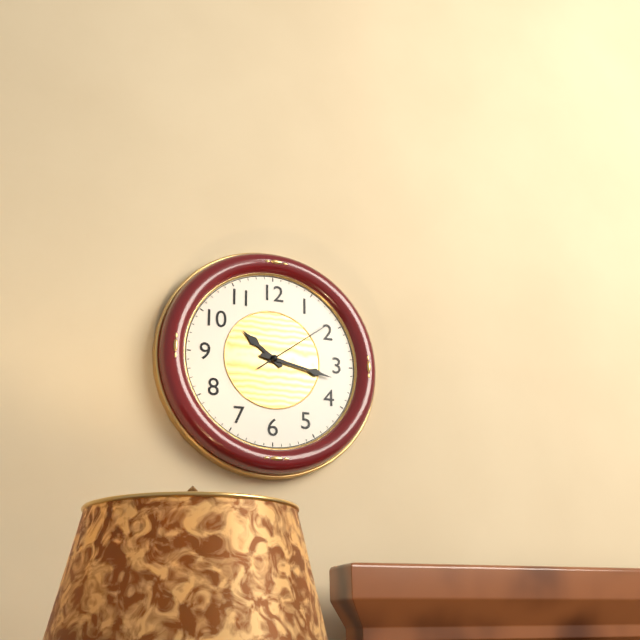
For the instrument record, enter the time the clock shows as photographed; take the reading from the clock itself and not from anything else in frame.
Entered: 10:17:09
